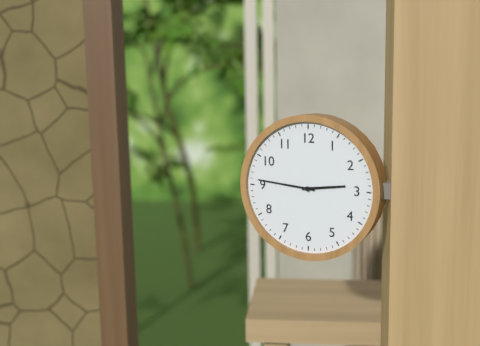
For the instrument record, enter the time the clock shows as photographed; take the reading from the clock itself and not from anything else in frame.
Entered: 2:46
